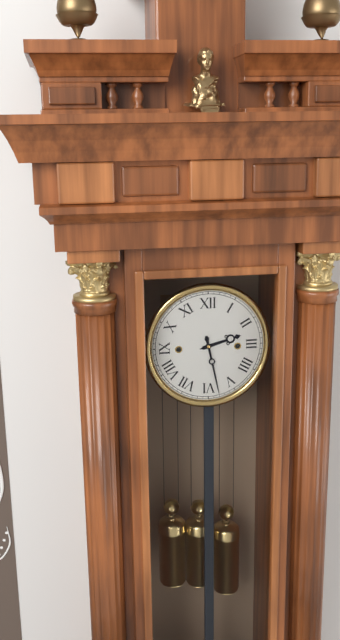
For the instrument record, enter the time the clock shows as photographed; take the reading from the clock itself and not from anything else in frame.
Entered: 2:28
